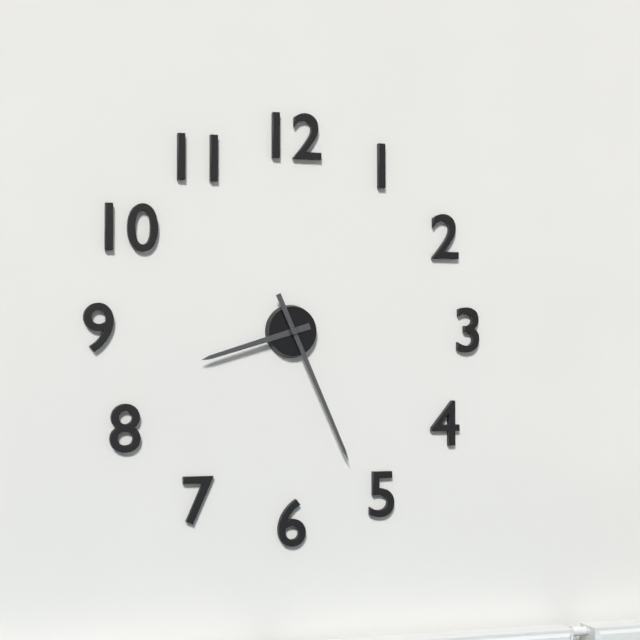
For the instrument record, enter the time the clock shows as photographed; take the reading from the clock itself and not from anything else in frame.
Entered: 8:26
